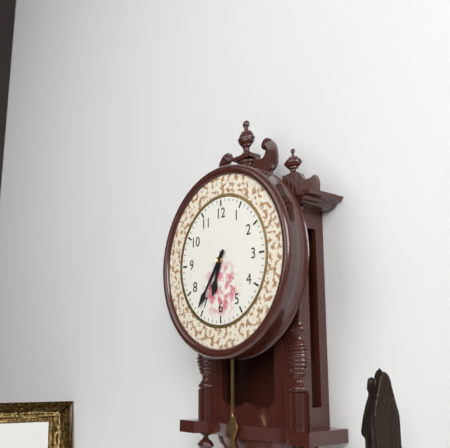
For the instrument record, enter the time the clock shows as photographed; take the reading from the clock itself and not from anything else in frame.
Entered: 6:36
